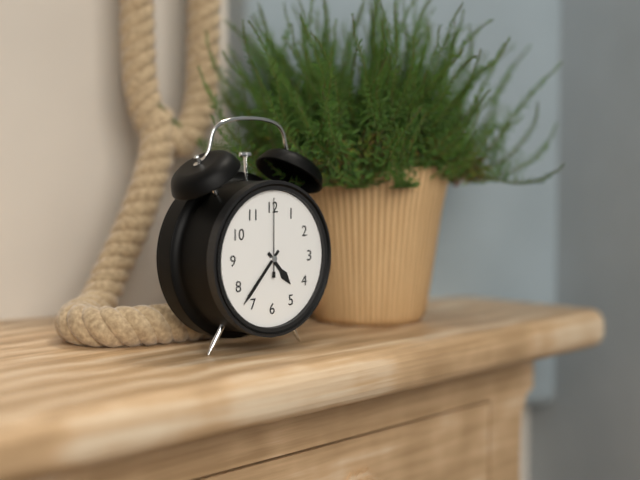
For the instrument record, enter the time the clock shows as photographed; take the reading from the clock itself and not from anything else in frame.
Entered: 4:37:00
